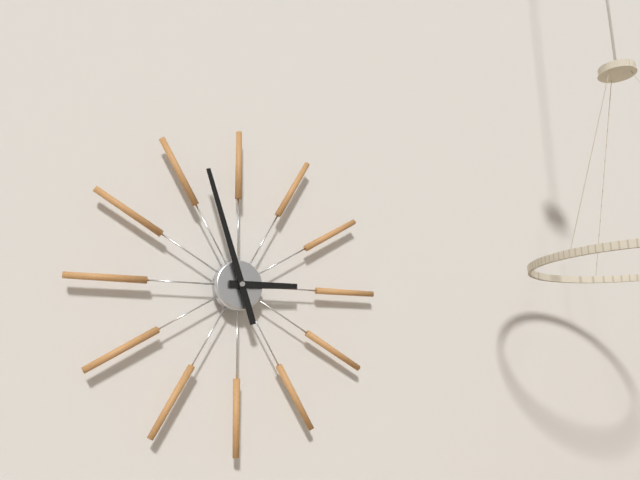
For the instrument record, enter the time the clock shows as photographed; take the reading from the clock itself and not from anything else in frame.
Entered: 2:57
